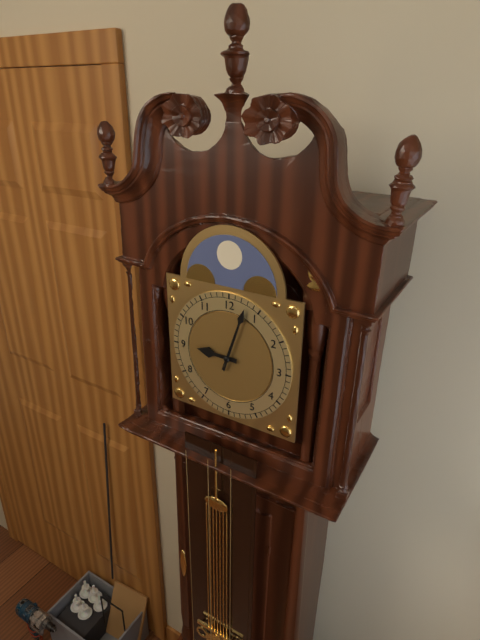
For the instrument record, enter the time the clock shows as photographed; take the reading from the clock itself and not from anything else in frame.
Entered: 9:03
